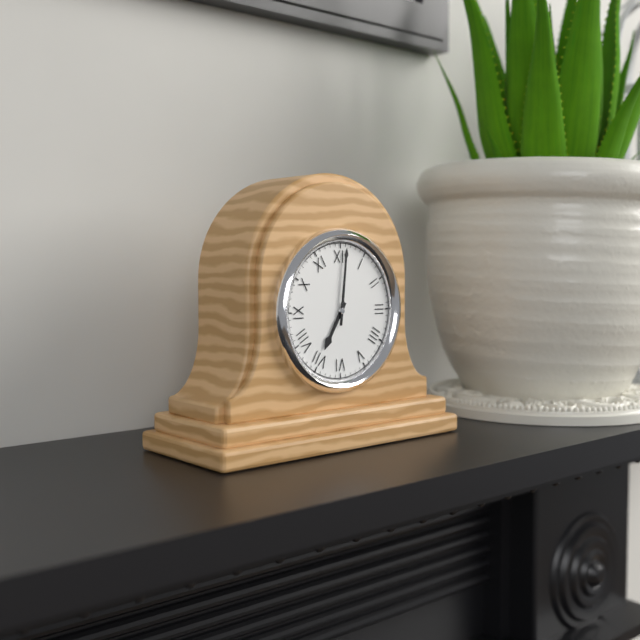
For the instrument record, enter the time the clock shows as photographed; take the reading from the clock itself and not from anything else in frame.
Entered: 7:01
